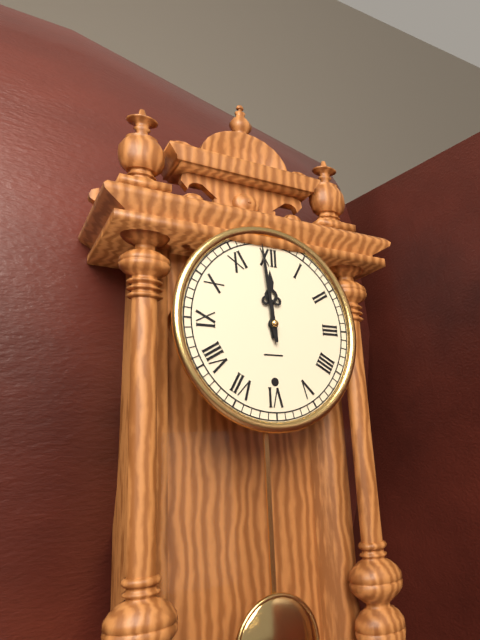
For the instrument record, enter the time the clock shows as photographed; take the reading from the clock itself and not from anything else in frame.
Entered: 11:59
